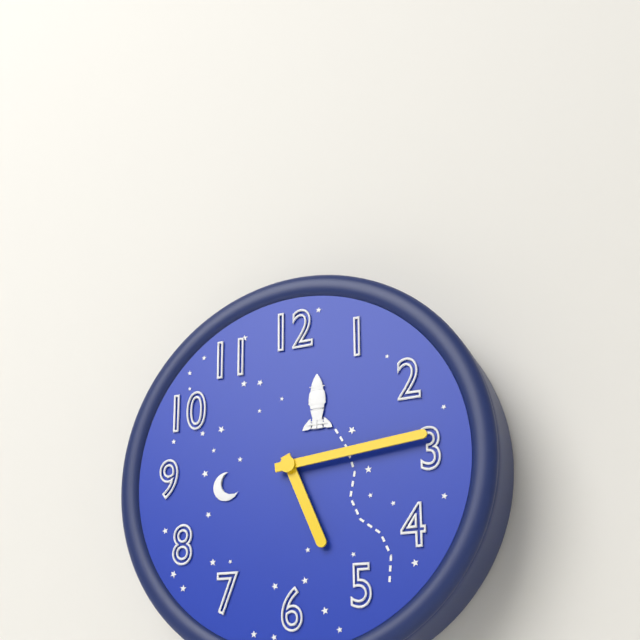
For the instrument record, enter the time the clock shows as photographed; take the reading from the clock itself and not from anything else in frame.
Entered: 5:14
